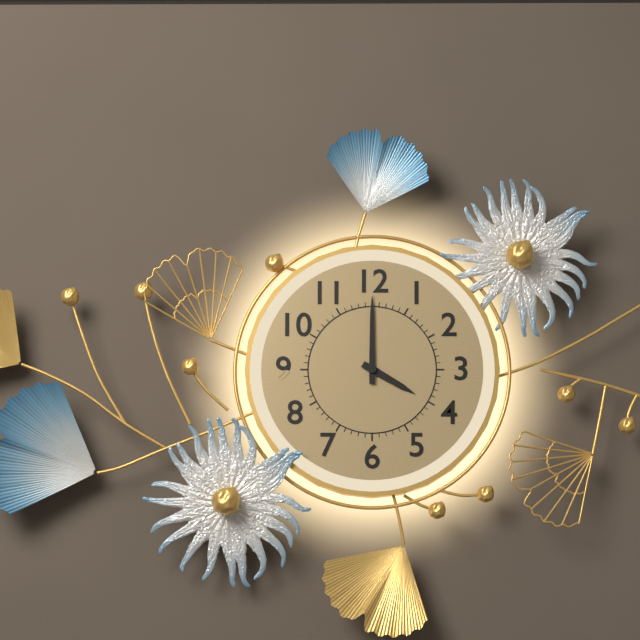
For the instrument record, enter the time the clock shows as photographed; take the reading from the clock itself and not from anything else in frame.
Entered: 4:00
